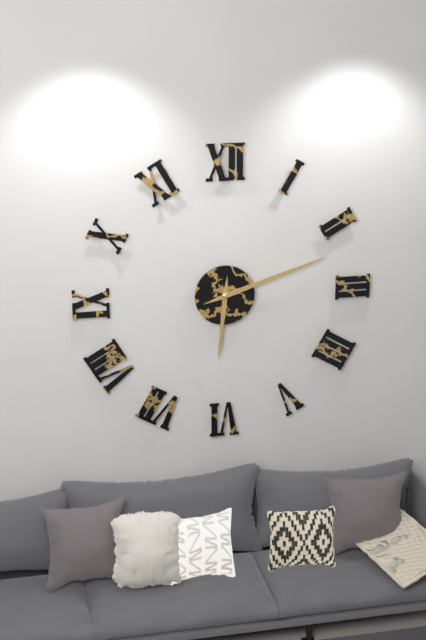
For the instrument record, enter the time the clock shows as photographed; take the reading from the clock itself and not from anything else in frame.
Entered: 6:12
